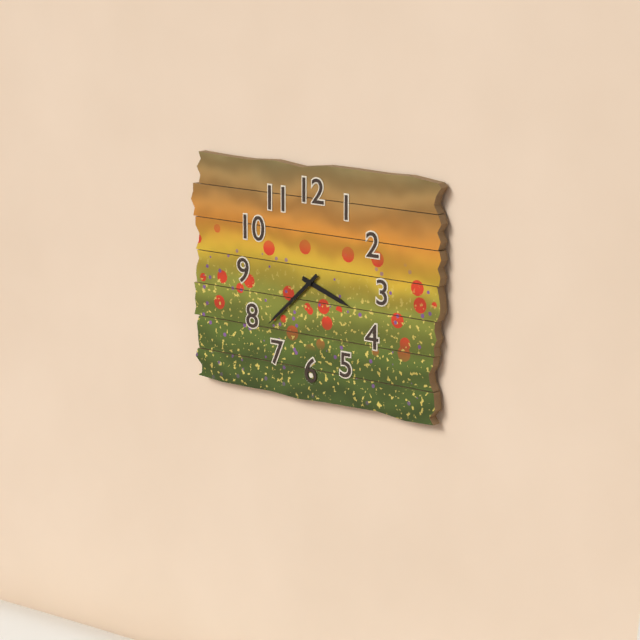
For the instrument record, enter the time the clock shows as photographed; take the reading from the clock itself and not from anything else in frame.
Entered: 3:38
